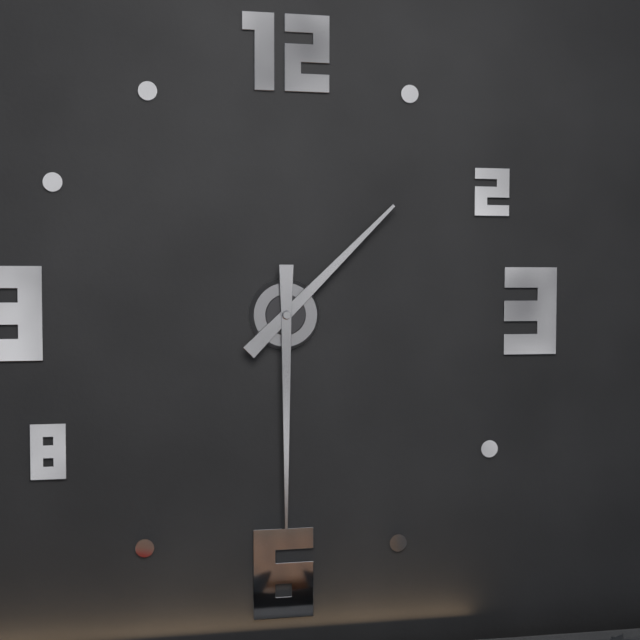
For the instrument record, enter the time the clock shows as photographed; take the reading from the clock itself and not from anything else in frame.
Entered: 1:30
